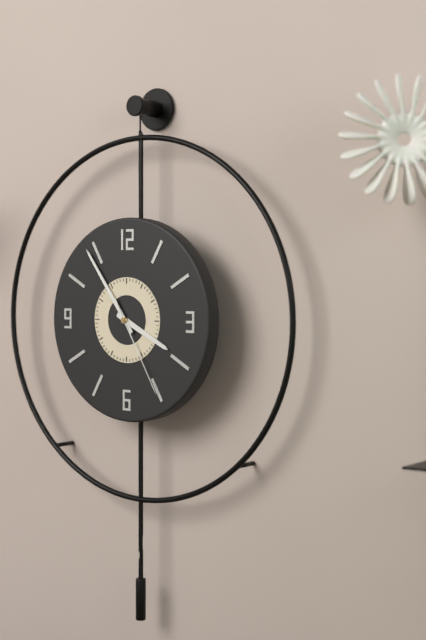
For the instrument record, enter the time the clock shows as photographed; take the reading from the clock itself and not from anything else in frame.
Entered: 3:54:25
